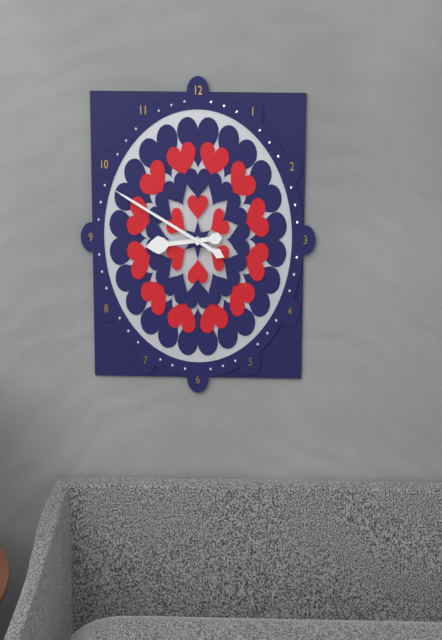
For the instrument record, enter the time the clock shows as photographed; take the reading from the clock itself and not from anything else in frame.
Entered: 8:49
